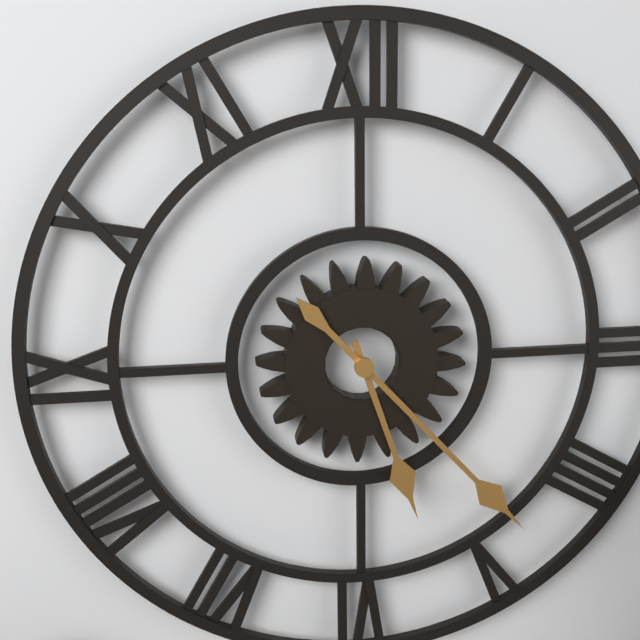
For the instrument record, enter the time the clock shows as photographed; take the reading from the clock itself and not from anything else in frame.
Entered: 5:23
